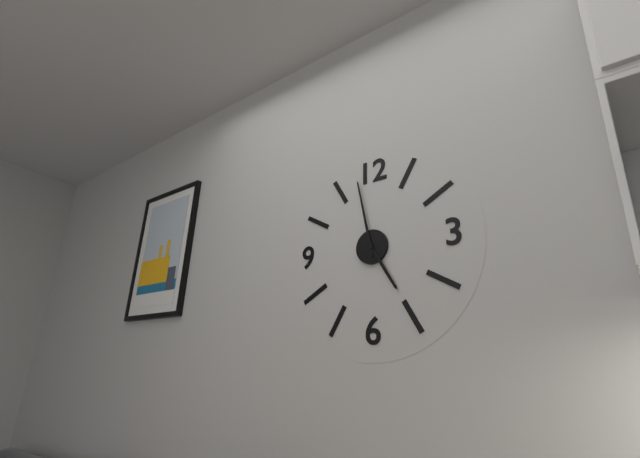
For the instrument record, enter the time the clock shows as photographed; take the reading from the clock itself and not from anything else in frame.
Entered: 4:58
